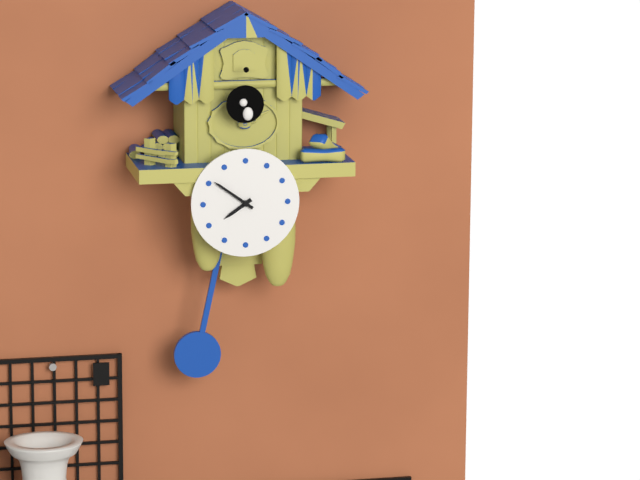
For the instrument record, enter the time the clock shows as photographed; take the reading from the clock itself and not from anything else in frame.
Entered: 7:51
